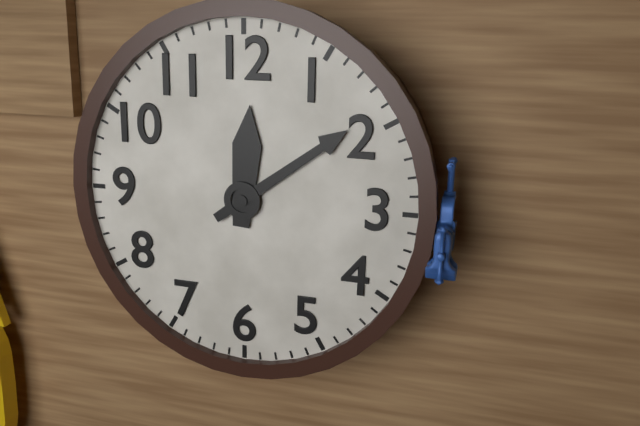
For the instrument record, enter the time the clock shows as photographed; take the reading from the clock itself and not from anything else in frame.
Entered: 12:09
